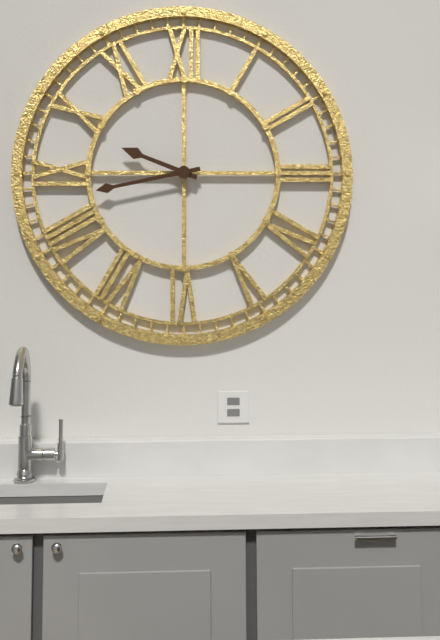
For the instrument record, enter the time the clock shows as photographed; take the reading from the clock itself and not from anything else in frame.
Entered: 9:43
